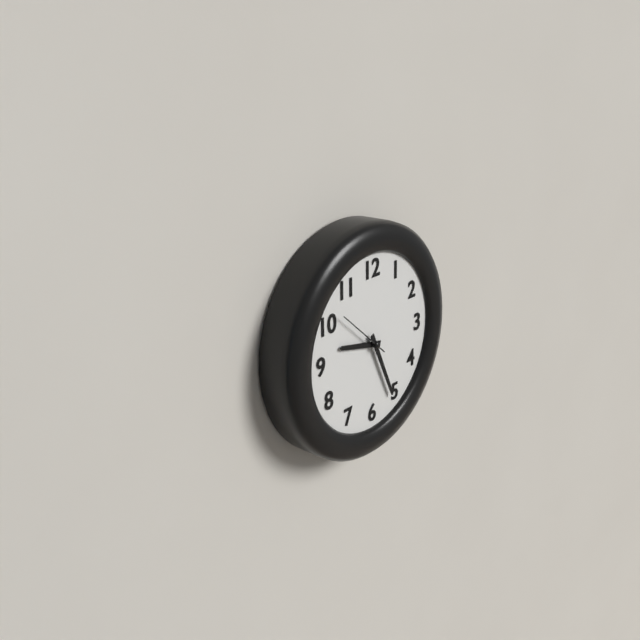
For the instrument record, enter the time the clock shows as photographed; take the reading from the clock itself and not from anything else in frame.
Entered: 9:26:52
